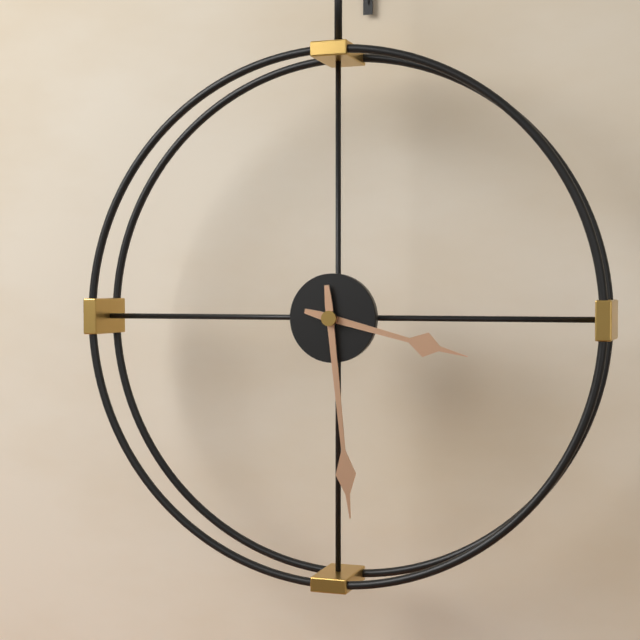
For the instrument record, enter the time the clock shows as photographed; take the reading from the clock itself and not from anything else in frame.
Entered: 3:29
